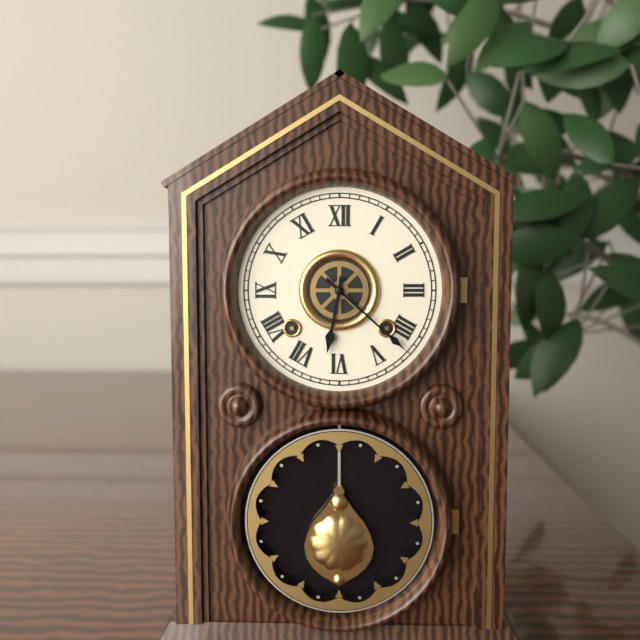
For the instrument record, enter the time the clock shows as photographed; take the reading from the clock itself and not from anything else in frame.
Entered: 6:22
